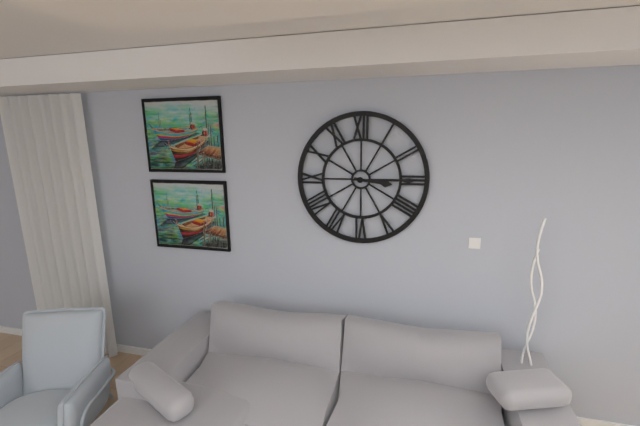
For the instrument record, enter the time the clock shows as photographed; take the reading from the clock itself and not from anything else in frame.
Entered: 3:15
